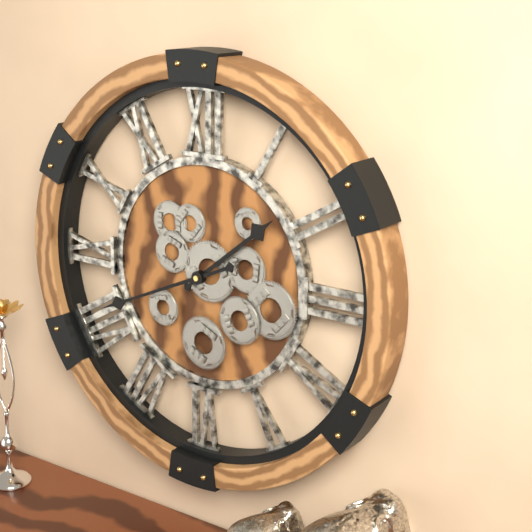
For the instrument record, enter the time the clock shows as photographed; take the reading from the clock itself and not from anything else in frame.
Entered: 1:41
